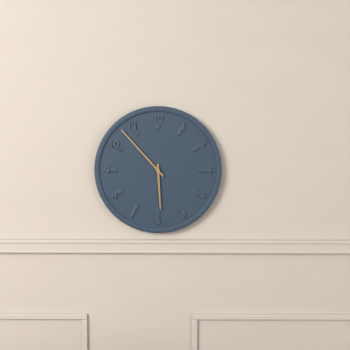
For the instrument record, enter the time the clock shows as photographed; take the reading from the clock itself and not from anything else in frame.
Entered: 5:53
